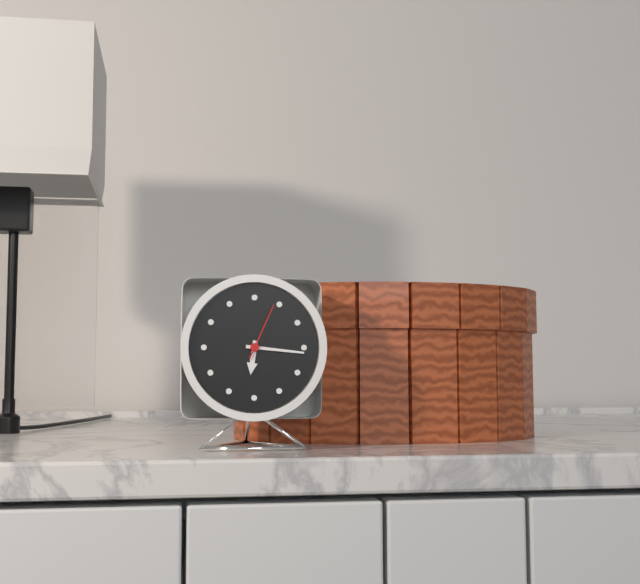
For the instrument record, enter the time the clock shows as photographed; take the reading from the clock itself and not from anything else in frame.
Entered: 6:16:04
